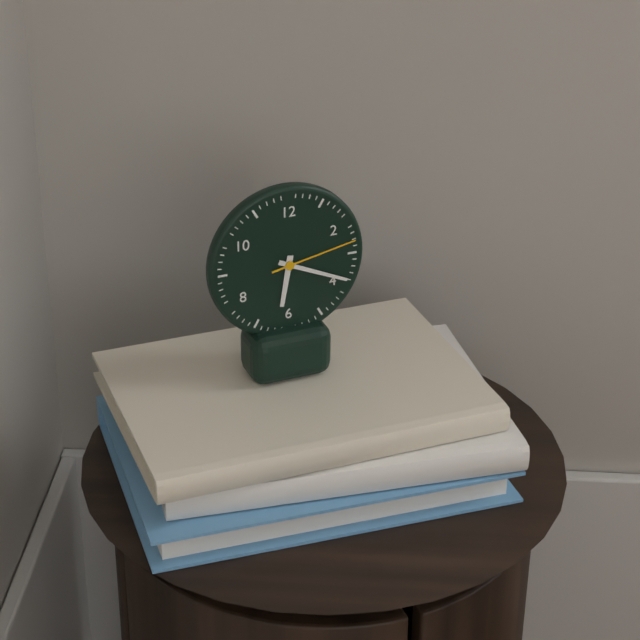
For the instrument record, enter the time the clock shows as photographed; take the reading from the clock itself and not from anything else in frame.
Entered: 6:19:13
